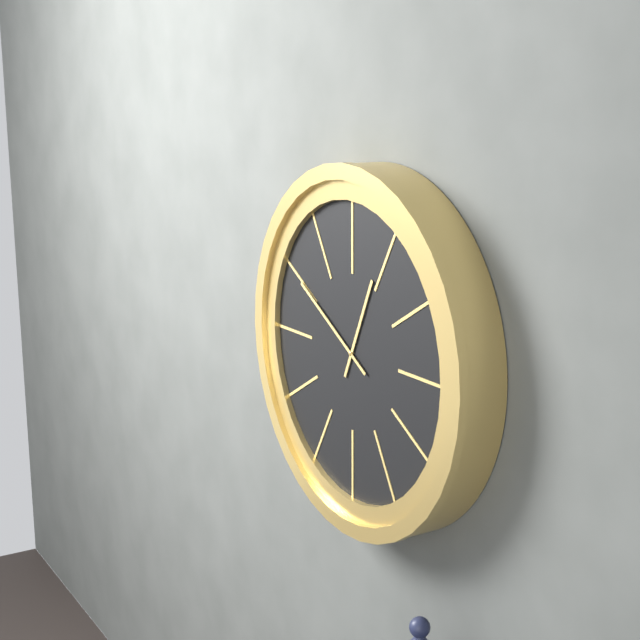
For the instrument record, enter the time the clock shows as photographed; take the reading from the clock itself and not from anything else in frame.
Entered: 12:50
